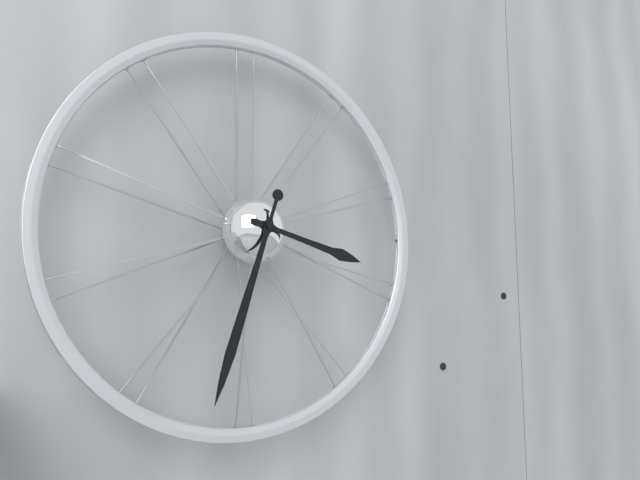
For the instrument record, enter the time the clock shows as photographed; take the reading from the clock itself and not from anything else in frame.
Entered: 3:33
